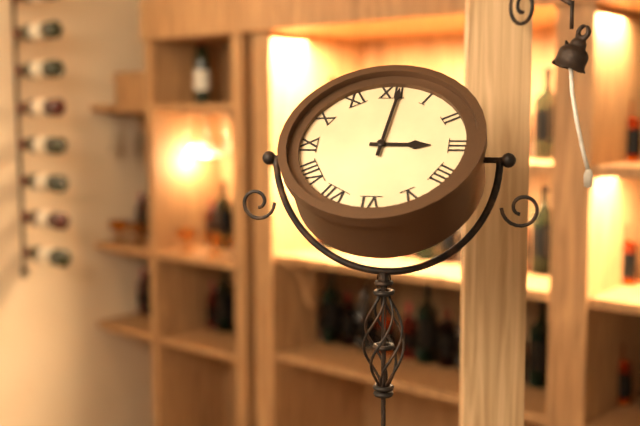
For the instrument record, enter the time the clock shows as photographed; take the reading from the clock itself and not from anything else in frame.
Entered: 3:01
